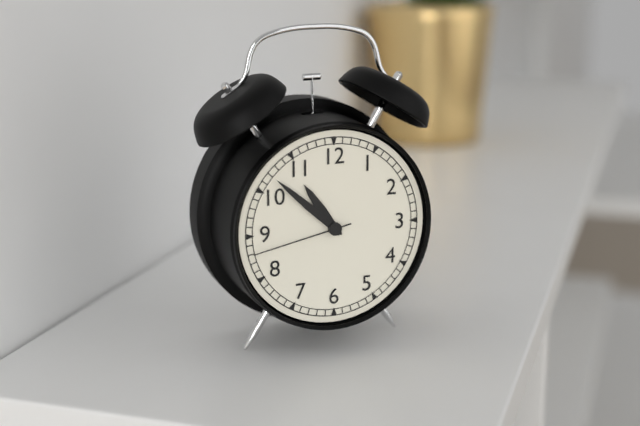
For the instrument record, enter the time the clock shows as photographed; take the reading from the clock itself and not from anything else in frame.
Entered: 10:52:43
